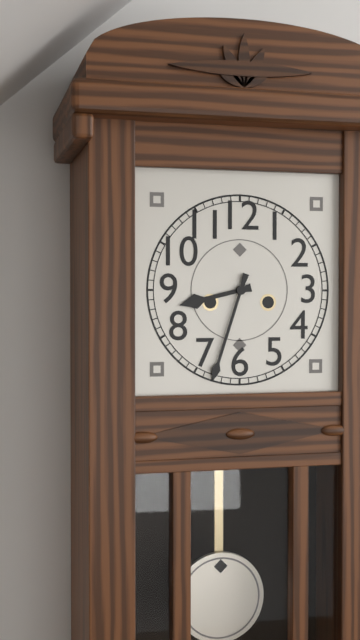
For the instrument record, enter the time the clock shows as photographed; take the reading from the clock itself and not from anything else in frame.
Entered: 8:33
